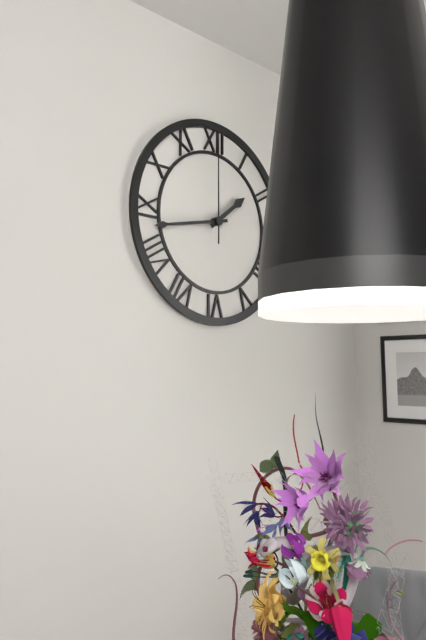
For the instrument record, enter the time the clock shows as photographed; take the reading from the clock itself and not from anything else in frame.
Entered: 1:43:00
